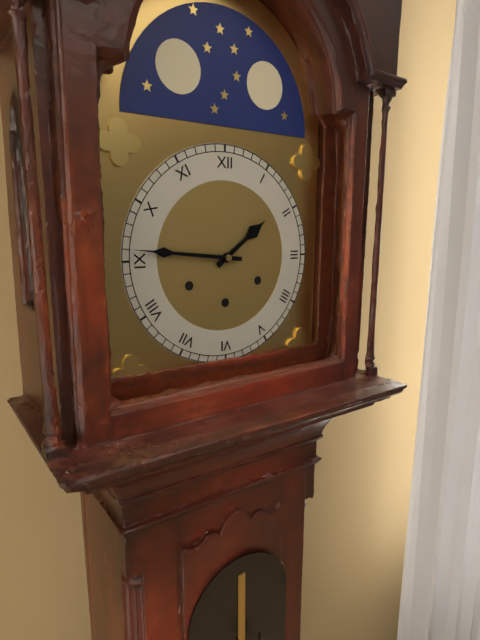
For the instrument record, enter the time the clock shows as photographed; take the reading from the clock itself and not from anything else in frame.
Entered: 1:46
